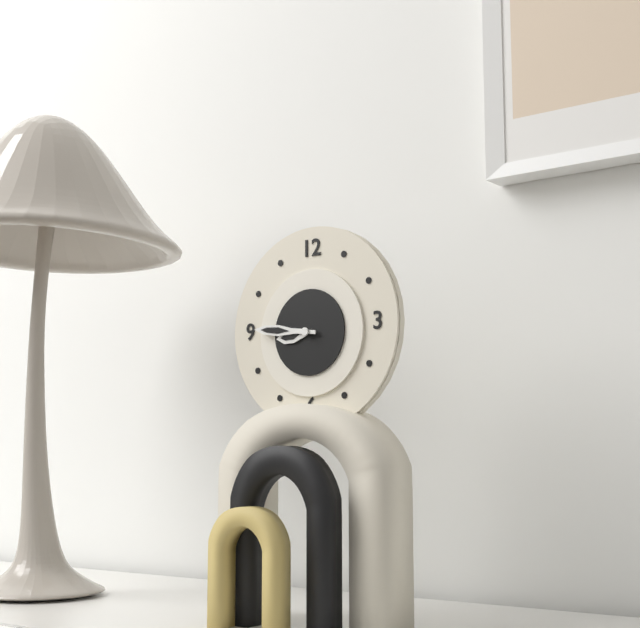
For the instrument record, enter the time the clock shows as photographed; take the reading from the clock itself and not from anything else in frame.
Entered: 8:46
